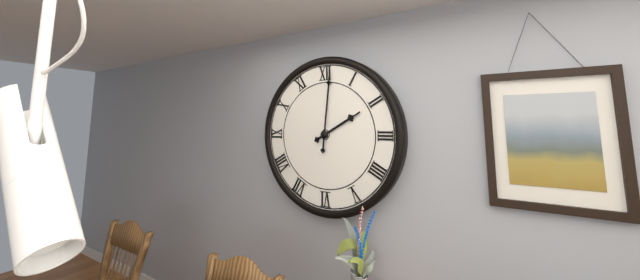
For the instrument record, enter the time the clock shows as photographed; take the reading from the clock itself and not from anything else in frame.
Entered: 2:01
